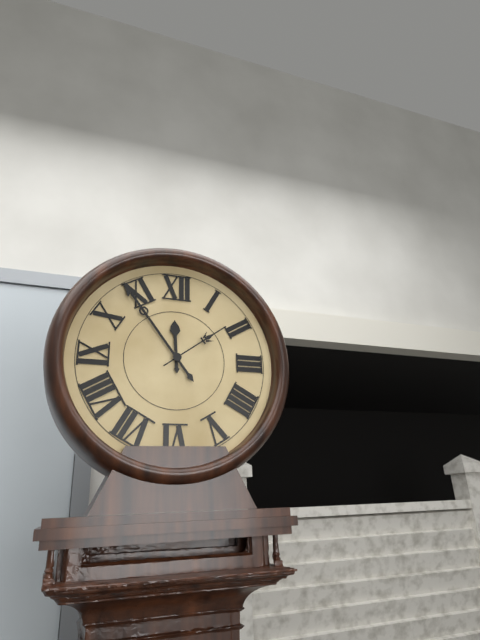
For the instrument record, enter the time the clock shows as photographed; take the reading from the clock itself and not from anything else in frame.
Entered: 11:54:09
